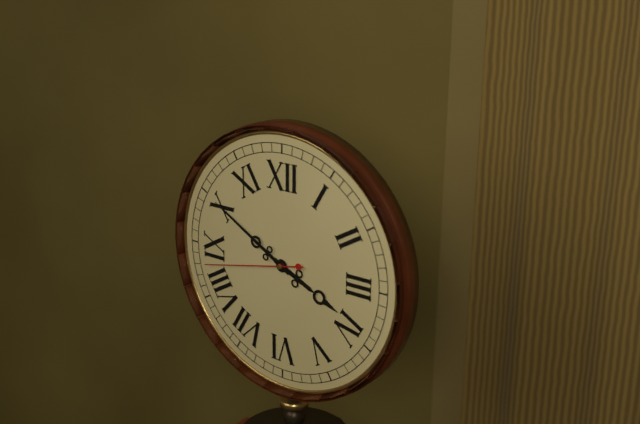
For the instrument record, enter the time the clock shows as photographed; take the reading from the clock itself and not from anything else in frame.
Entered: 3:50:43
